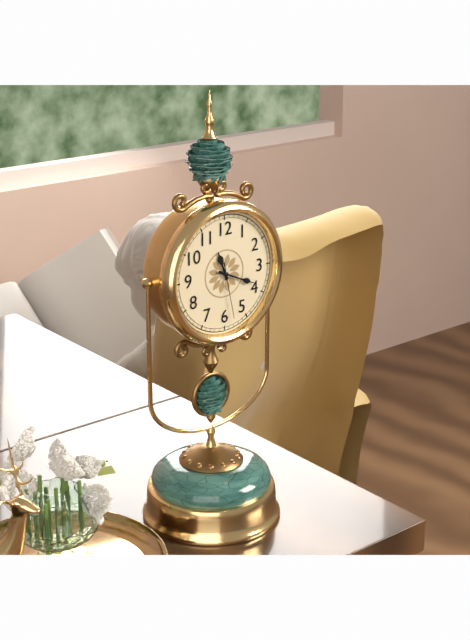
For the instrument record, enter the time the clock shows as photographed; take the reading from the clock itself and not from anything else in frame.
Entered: 11:19:28
